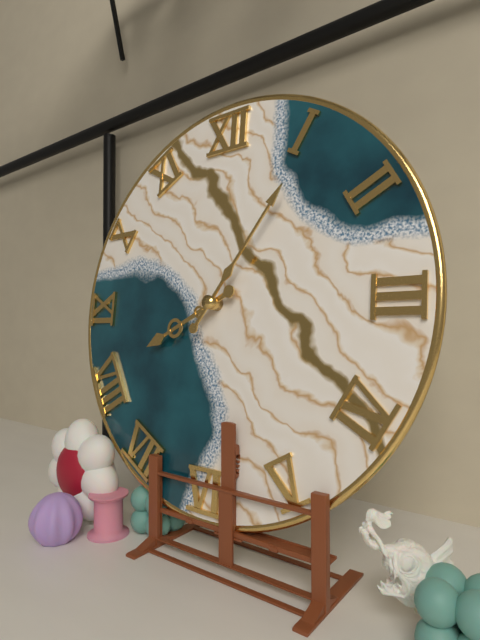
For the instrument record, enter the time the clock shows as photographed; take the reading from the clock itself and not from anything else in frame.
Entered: 8:06
